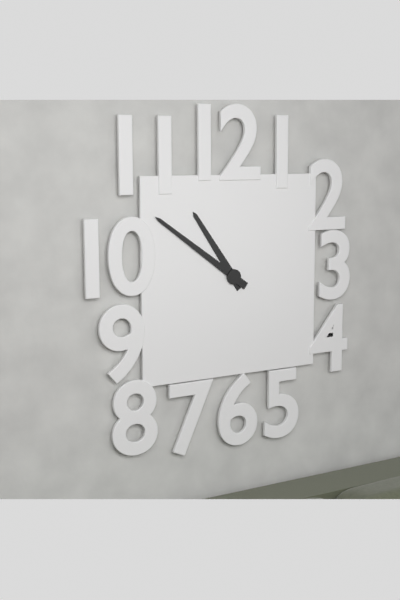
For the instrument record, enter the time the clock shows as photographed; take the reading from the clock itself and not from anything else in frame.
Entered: 10:51
